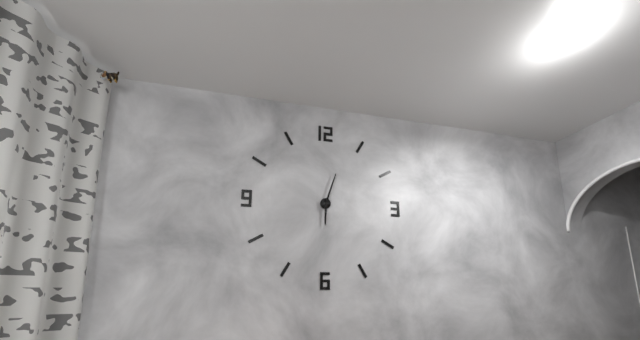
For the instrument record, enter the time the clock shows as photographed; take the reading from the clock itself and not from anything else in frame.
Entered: 6:03
